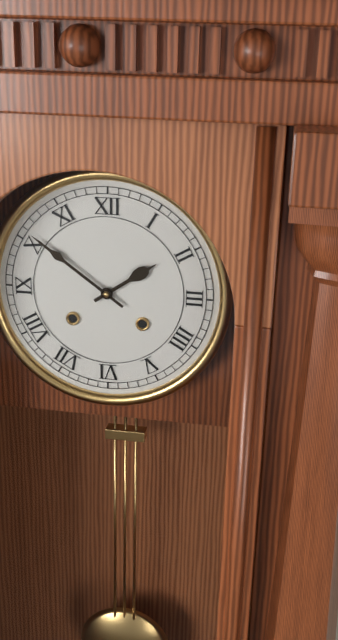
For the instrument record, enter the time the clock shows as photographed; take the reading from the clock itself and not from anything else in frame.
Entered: 1:51
